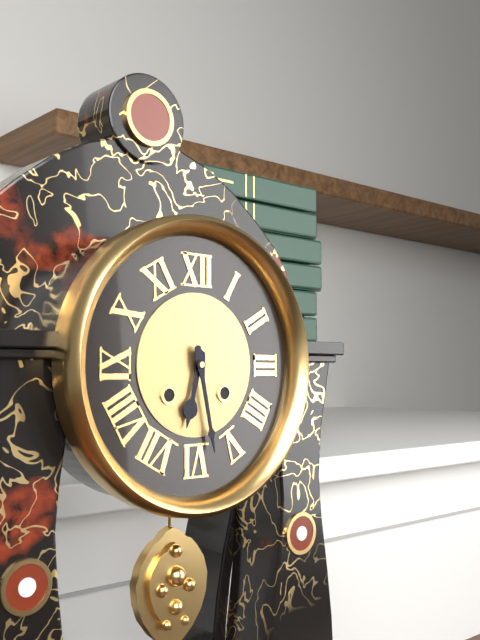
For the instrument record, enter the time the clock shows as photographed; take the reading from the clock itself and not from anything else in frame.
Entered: 6:28
